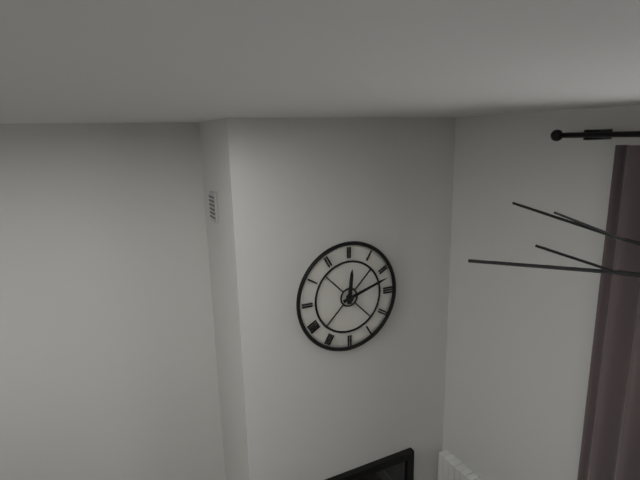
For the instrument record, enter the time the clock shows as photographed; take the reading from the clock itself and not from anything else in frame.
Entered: 12:12
